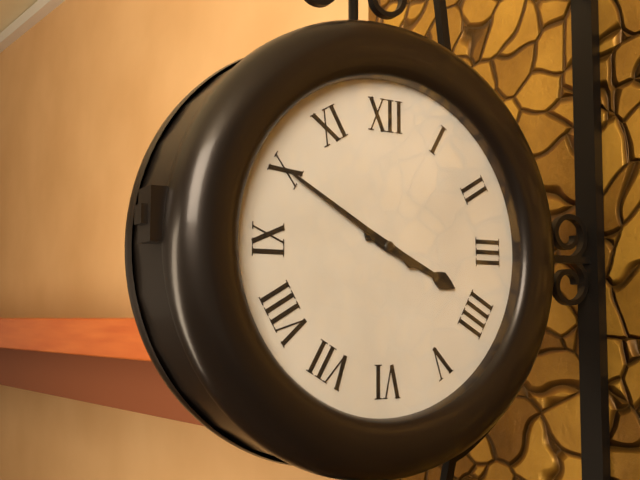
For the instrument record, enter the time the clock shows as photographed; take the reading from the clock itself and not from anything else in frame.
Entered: 3:50
